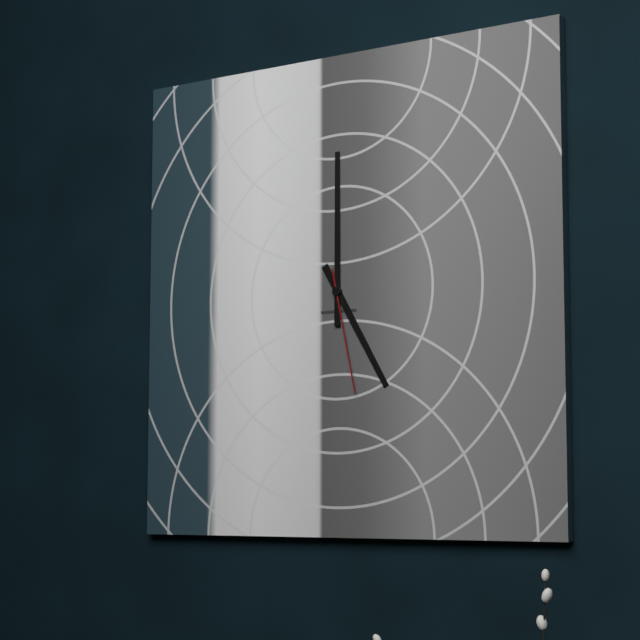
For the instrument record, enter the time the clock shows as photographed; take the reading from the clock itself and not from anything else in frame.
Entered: 5:00:28
